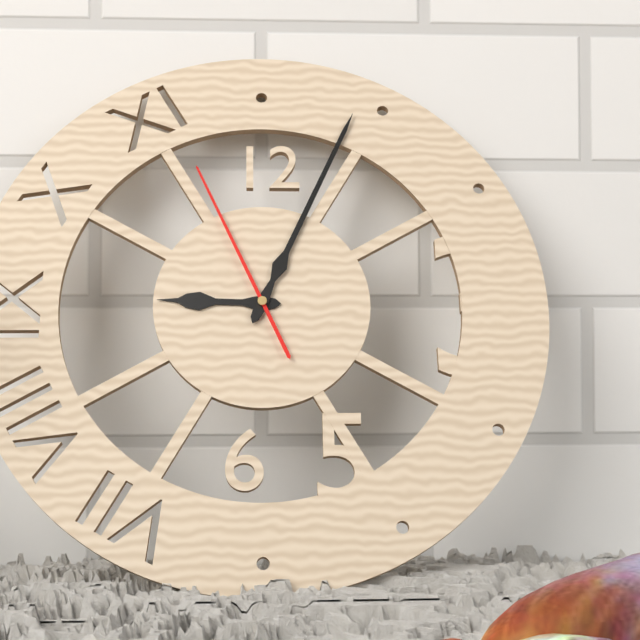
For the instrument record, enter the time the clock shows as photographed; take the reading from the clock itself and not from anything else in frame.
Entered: 9:04:56
